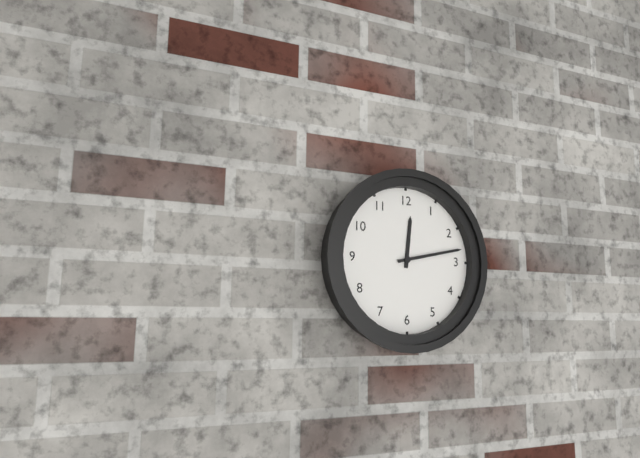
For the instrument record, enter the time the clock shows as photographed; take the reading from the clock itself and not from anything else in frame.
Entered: 12:13
